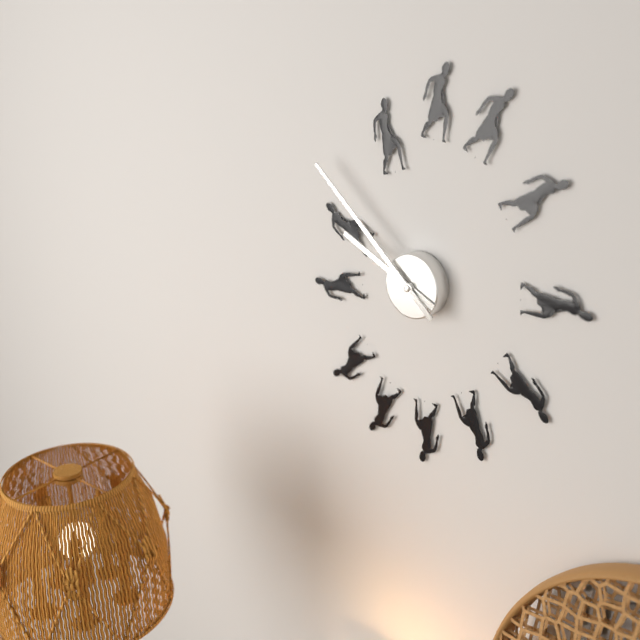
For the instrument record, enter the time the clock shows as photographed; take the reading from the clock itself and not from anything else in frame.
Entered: 9:52
